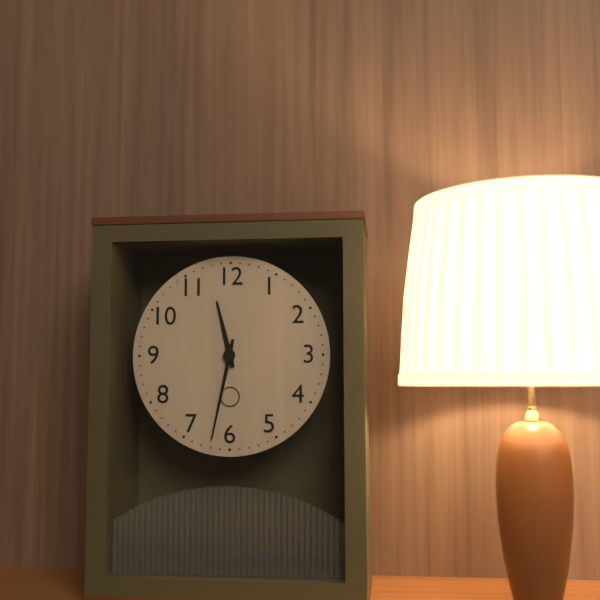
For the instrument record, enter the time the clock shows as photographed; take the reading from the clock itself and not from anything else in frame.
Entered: 11:32
